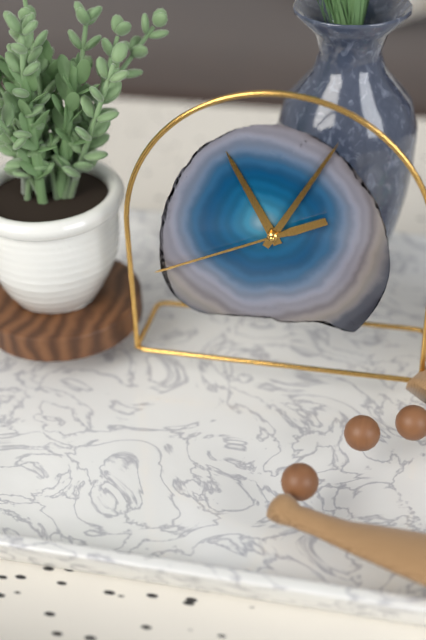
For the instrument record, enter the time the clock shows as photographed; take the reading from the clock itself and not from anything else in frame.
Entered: 11:05:41
